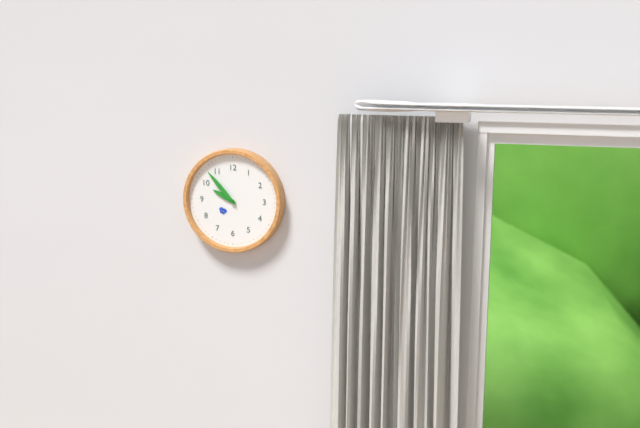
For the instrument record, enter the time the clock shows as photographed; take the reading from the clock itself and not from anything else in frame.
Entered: 9:53
